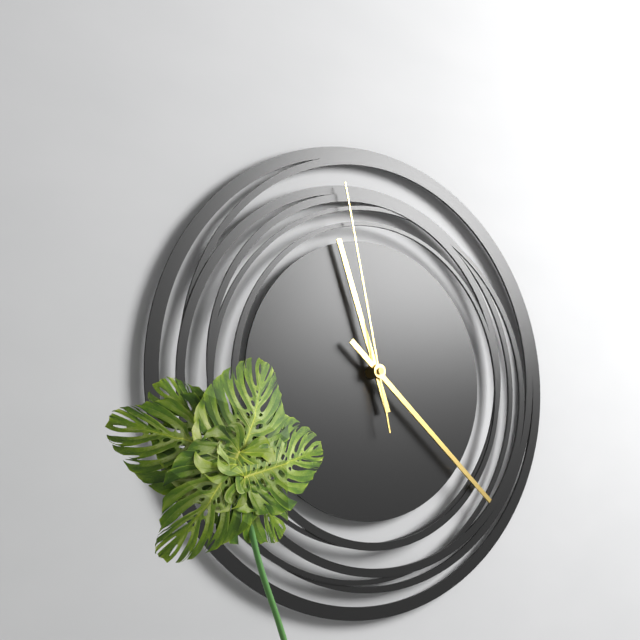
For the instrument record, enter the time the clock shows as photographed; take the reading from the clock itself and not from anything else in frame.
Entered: 11:22:58
